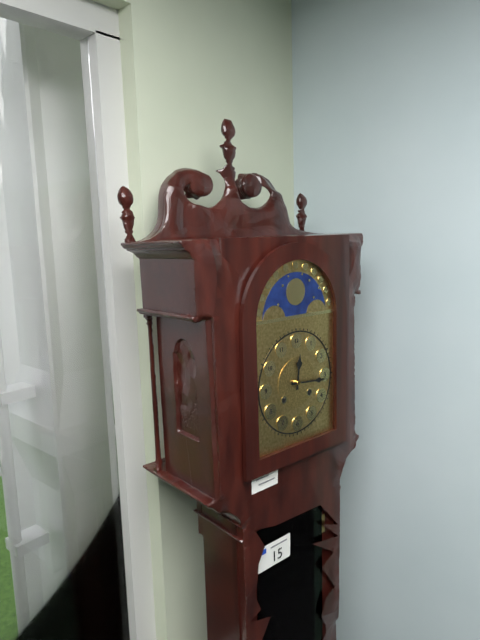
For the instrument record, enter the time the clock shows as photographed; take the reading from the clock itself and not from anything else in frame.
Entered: 12:16
